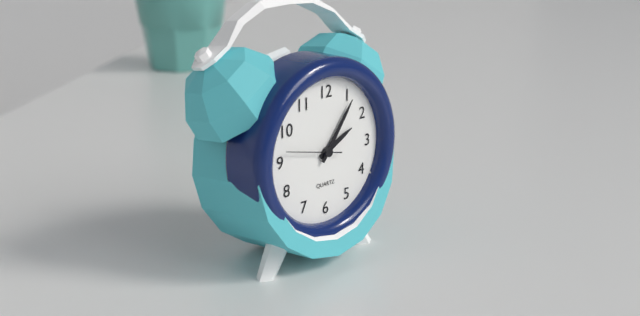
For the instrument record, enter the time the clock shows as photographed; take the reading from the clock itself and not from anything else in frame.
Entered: 2:06:47
